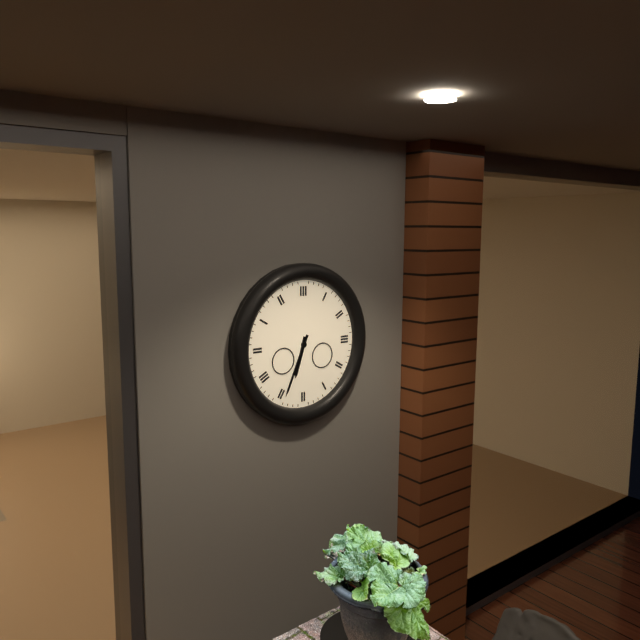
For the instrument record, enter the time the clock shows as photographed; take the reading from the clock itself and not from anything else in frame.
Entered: 6:34
